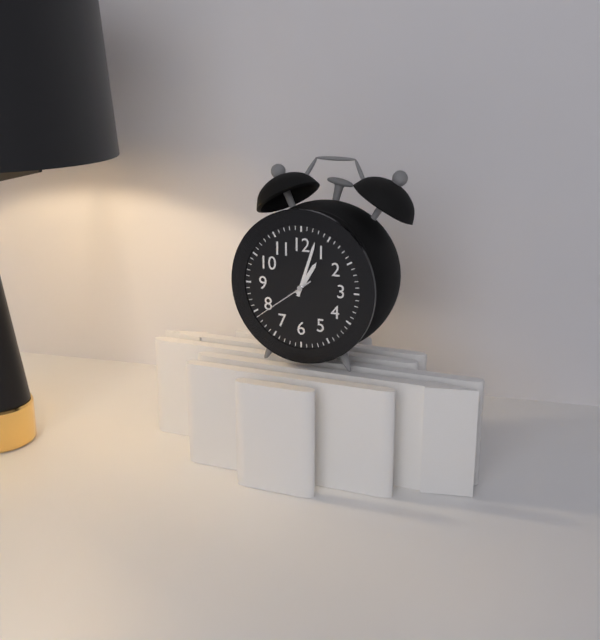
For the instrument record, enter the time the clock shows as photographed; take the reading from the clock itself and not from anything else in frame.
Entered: 1:03:39
